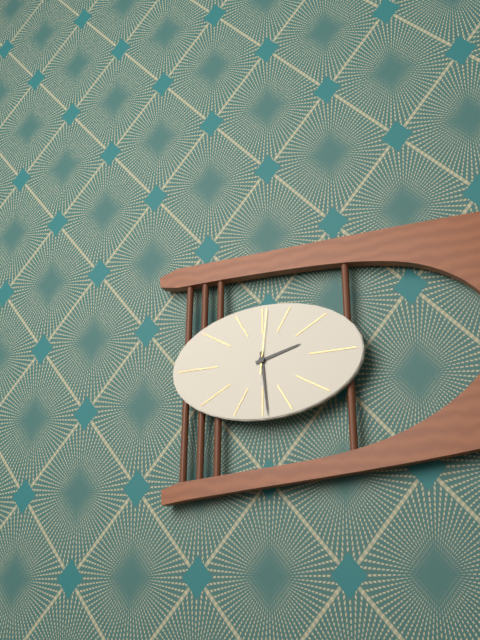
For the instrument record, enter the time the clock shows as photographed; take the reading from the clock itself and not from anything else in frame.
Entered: 2:29:01
